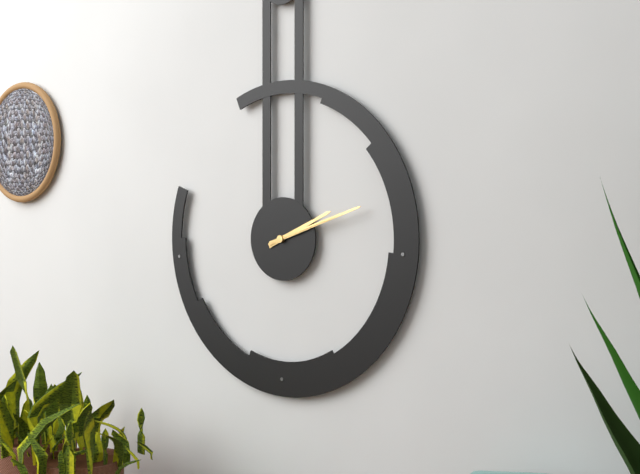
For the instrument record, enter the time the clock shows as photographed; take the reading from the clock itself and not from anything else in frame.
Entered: 2:12:12
